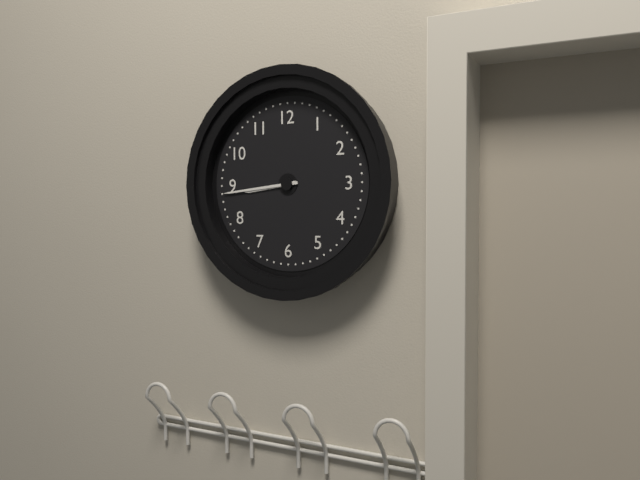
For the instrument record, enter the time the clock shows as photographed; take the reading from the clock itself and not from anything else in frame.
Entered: 8:44
